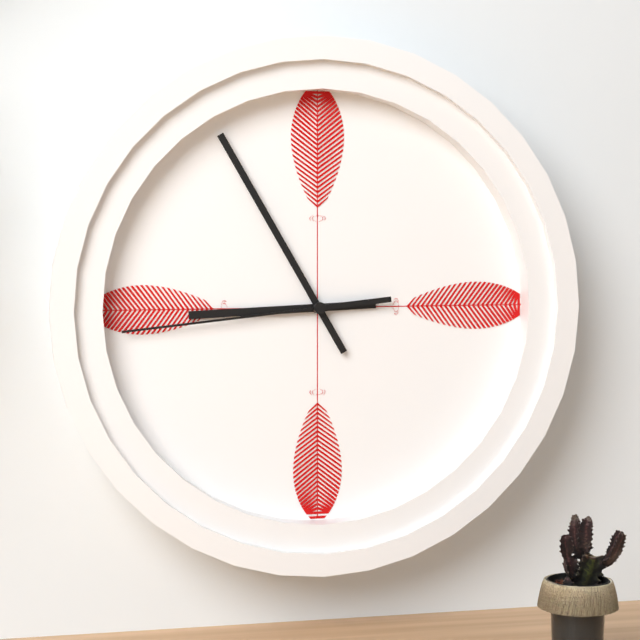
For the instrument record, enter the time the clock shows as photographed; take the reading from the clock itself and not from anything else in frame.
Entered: 8:55:44
